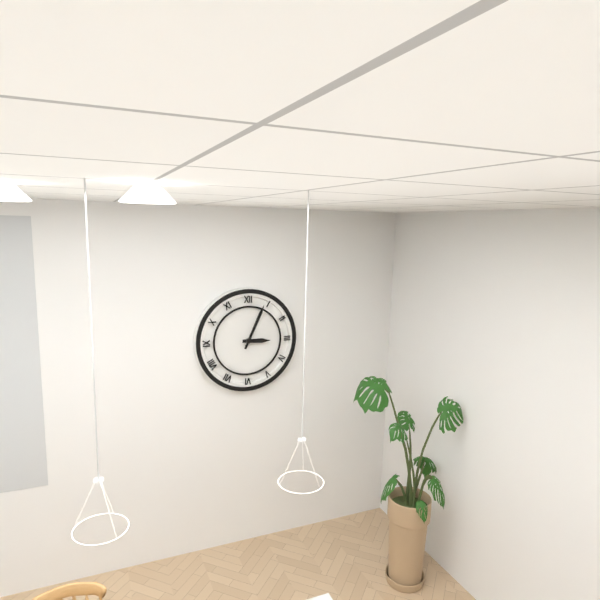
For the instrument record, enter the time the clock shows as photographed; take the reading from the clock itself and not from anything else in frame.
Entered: 3:04
